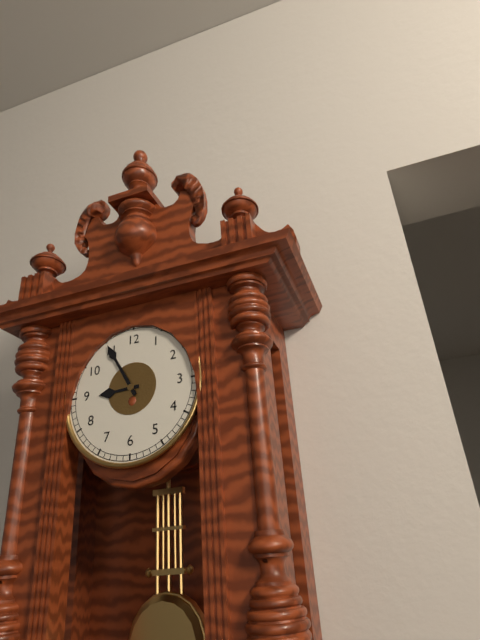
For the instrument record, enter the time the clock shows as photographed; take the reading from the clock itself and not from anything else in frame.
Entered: 8:55
